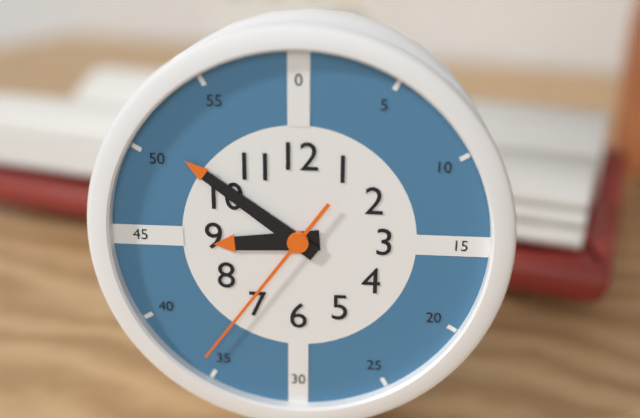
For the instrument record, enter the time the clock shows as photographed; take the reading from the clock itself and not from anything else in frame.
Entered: 8:51:36
